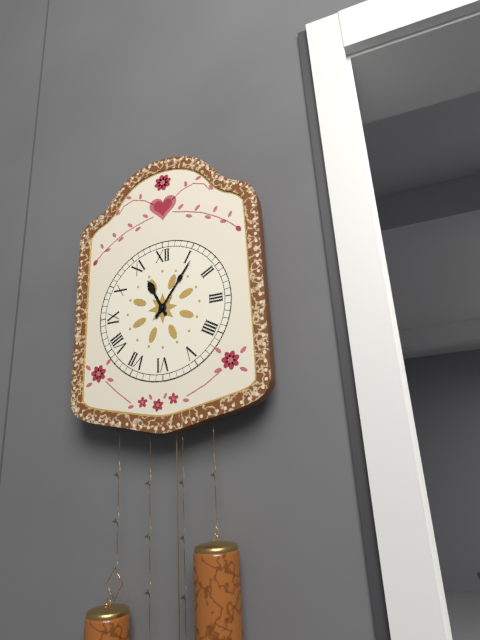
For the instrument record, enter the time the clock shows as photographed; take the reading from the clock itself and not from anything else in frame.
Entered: 11:06
